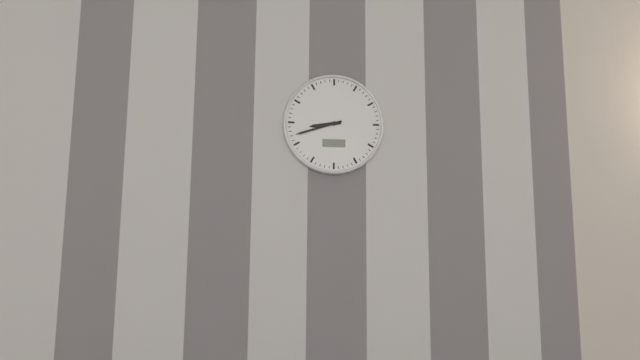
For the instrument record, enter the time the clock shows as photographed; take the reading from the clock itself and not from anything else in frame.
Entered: 8:42
